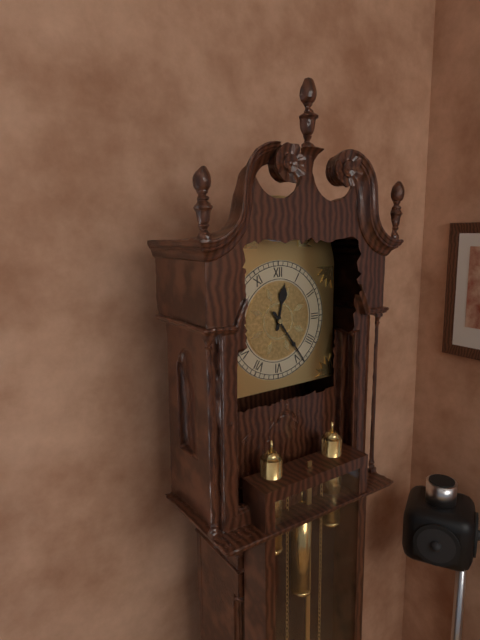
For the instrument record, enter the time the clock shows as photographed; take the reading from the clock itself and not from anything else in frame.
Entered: 12:24
